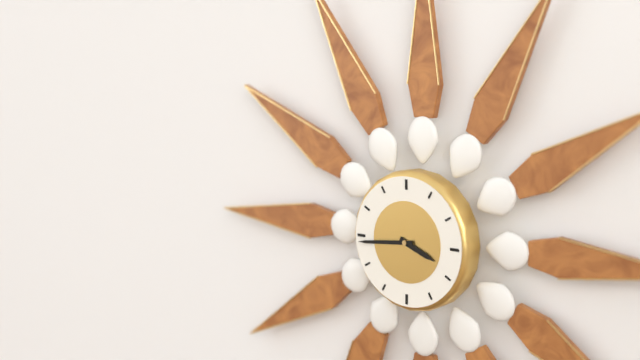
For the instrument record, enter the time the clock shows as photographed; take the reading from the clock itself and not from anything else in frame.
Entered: 3:44
